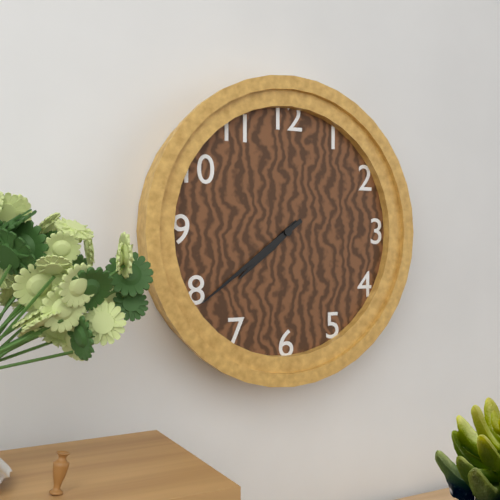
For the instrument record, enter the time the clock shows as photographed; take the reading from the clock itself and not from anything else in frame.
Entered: 7:39
